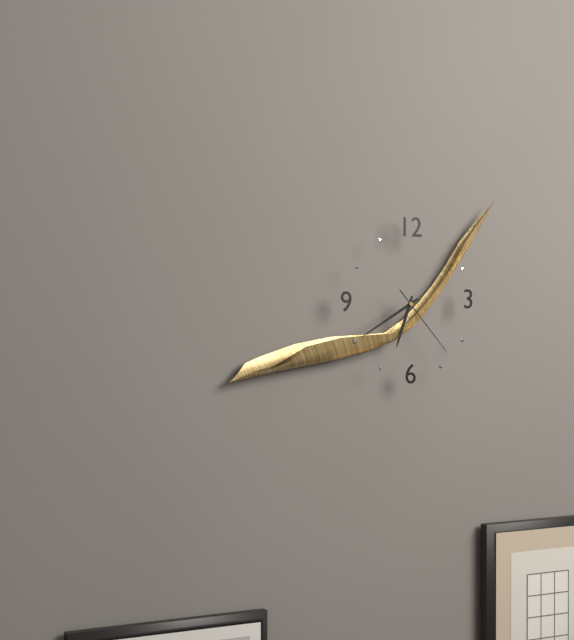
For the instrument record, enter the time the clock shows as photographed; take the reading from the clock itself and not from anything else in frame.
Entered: 6:40:23
